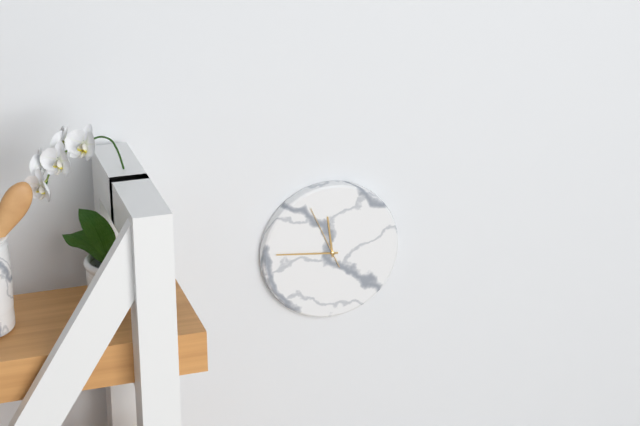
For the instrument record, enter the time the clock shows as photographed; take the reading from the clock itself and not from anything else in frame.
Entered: 11:46:56
